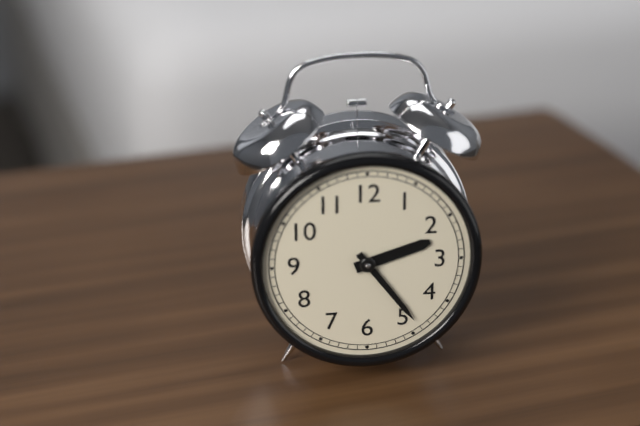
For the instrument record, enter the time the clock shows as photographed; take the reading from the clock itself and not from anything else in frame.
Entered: 2:24
